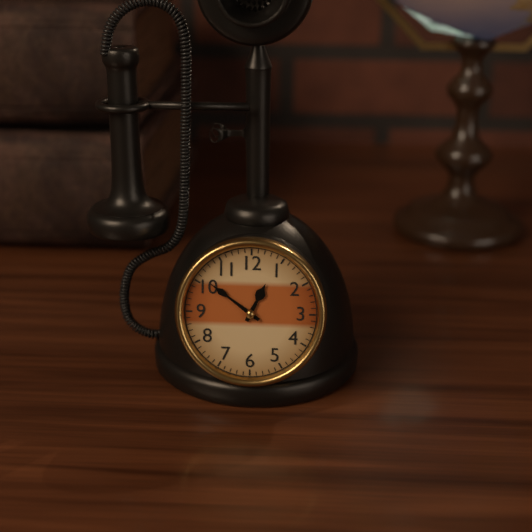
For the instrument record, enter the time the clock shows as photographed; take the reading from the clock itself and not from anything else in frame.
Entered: 12:51
